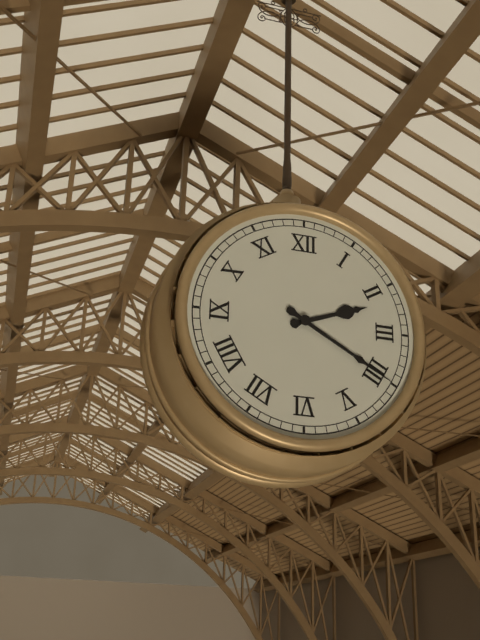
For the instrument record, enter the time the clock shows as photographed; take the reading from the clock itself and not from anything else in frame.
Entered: 2:20
